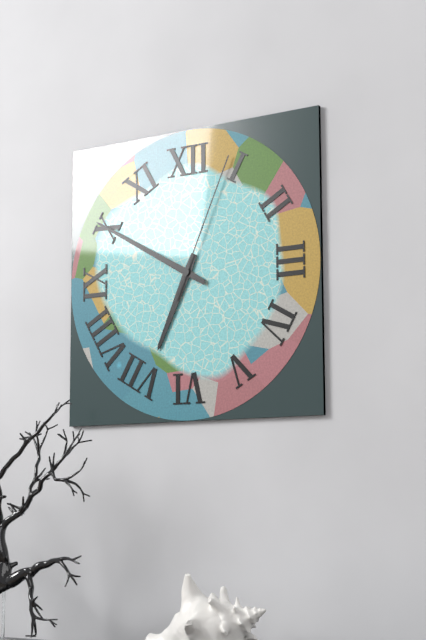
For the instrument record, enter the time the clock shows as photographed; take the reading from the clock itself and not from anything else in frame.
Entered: 6:50:04
